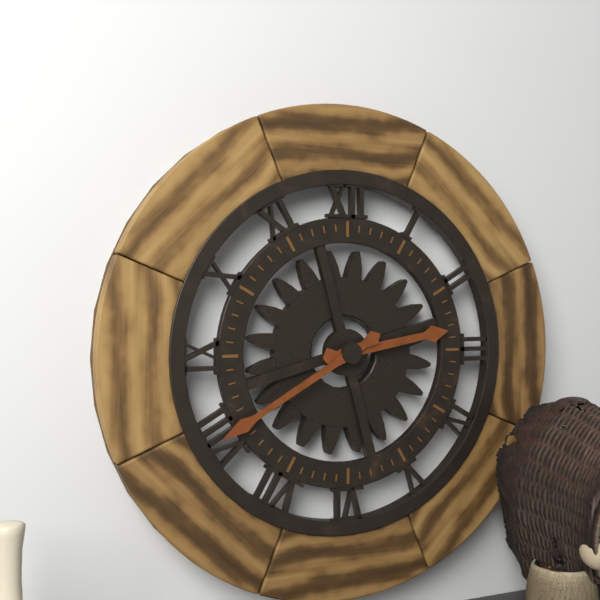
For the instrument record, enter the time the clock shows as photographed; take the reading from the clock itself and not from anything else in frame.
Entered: 2:40
